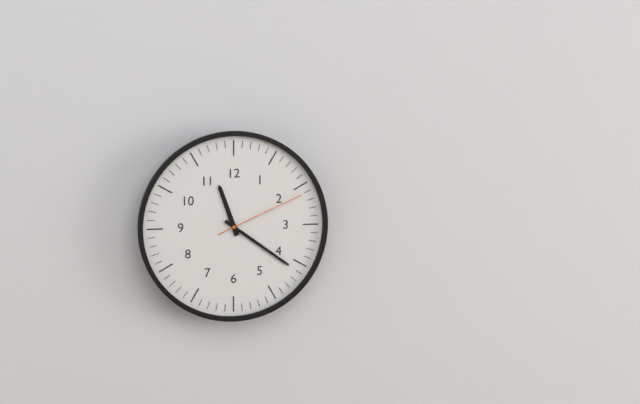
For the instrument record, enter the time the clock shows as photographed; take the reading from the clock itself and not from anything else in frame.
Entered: 11:21:11
